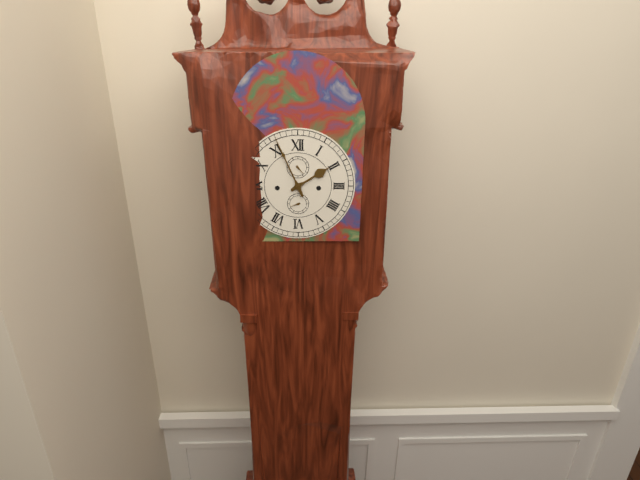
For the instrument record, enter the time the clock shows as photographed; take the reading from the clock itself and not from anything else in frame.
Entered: 1:56
